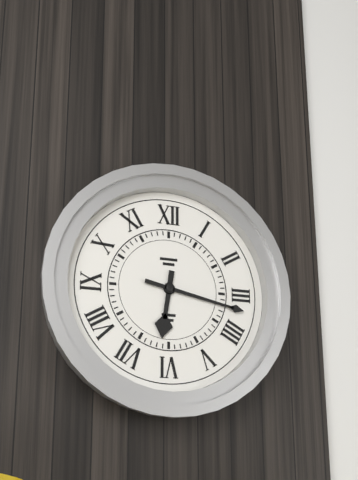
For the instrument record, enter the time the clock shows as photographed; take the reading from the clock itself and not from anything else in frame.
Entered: 6:17
